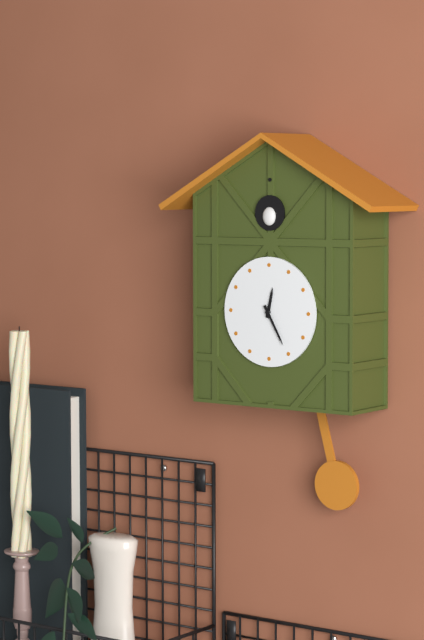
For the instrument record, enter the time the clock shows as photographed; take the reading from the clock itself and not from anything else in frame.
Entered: 12:25
